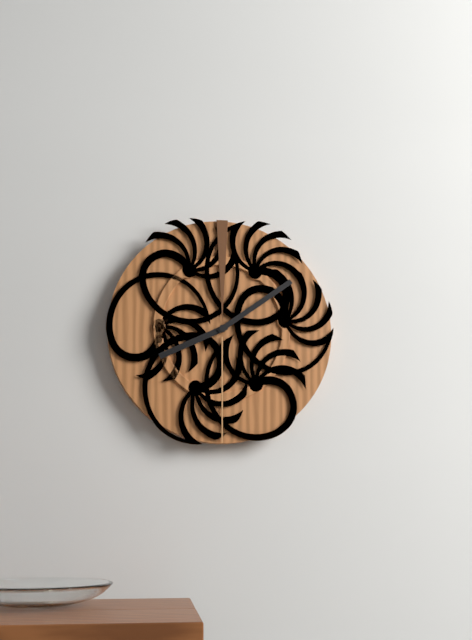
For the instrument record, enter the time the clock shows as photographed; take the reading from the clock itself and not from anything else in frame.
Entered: 8:09
